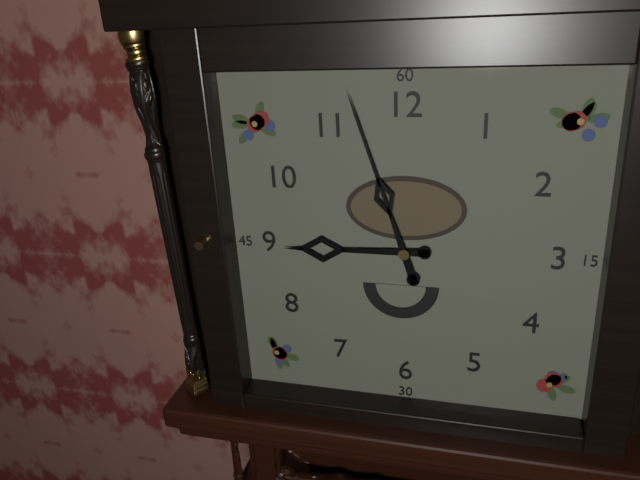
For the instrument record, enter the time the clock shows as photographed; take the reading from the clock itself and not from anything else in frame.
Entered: 8:57
